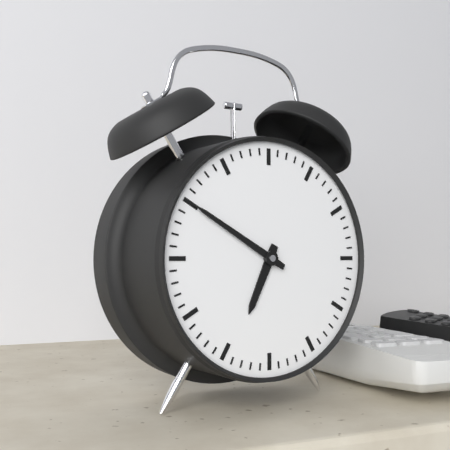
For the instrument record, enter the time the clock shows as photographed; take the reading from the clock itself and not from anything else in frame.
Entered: 6:50
